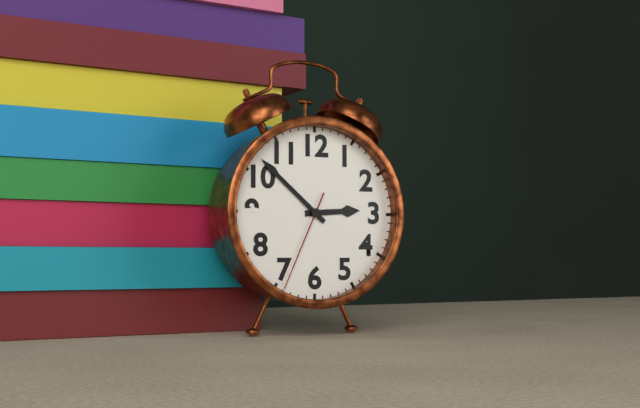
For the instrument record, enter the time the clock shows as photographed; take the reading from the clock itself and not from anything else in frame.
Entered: 2:52:34
